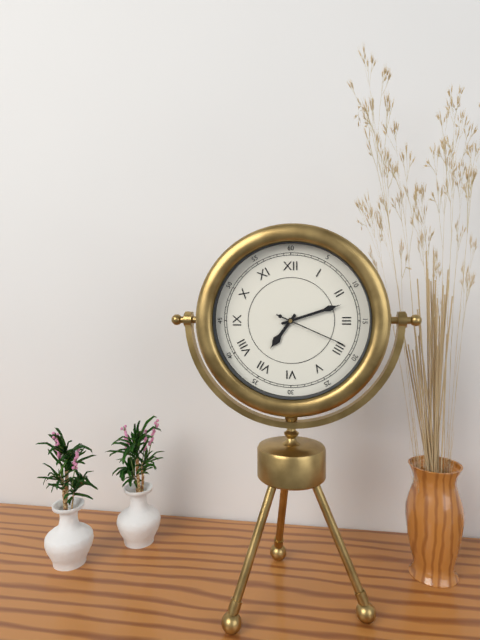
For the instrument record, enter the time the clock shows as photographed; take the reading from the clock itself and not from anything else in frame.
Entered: 7:12:19
